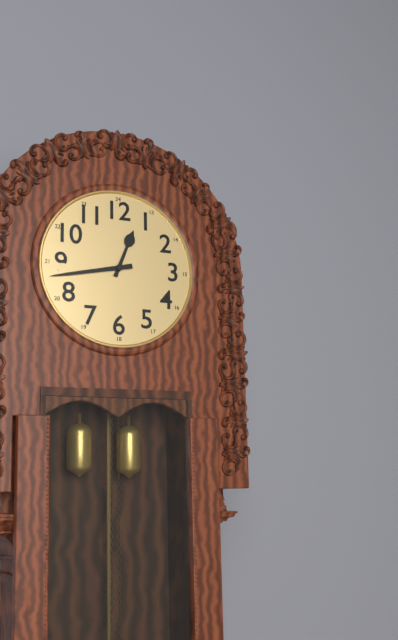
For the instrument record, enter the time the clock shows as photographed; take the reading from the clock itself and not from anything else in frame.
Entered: 12:43
